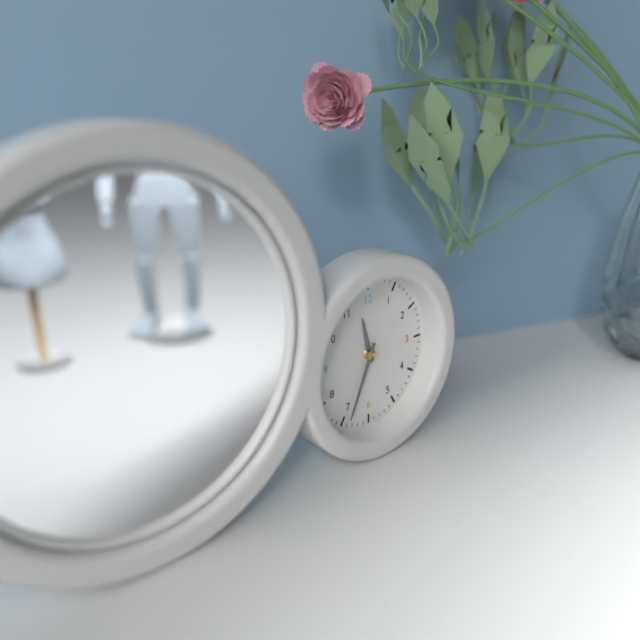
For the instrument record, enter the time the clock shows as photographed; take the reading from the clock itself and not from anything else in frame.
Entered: 11:34
